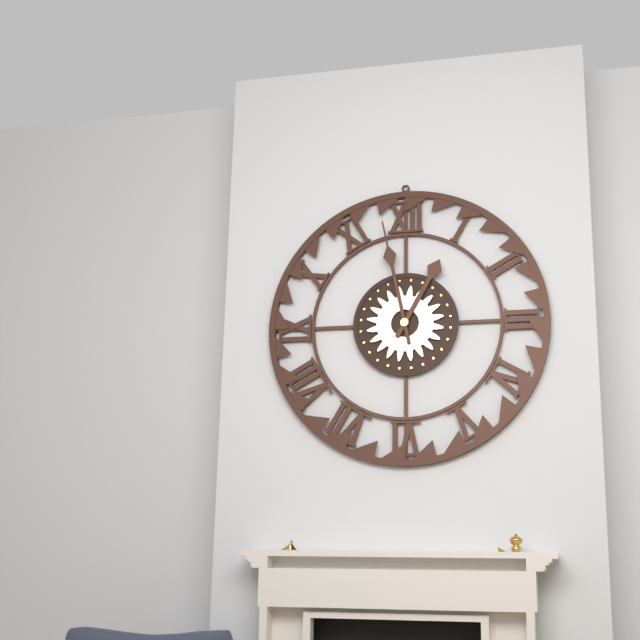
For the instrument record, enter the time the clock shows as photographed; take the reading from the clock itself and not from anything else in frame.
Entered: 12:58
